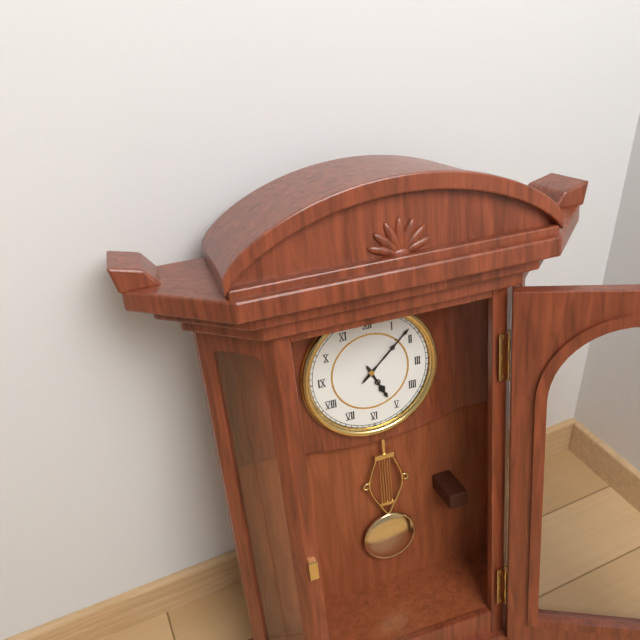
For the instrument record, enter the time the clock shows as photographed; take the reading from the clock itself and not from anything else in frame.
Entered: 5:08
